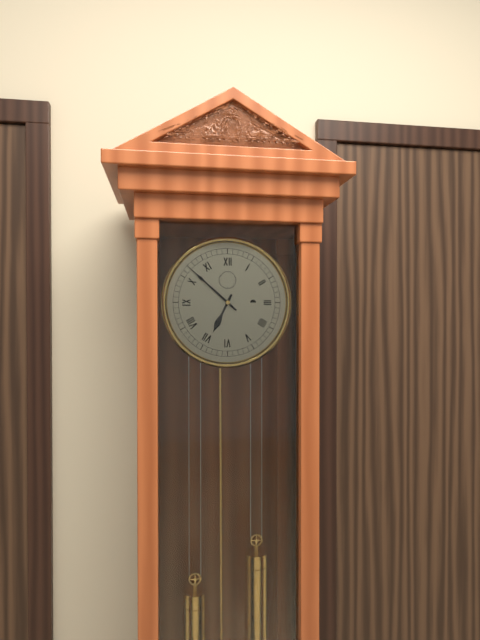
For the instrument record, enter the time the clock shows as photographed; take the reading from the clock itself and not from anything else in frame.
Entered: 6:52
